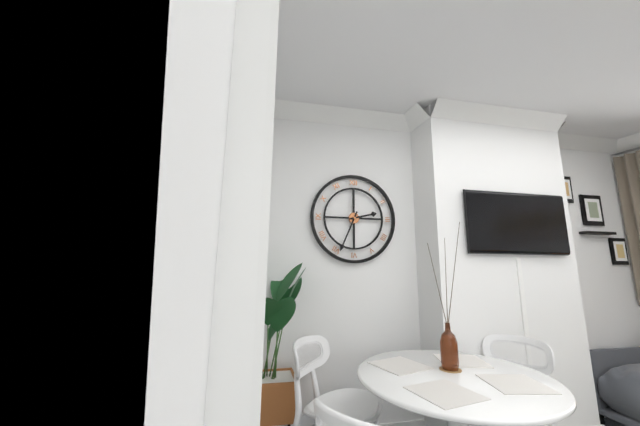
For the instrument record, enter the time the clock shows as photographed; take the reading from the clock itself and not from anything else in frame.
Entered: 2:34
